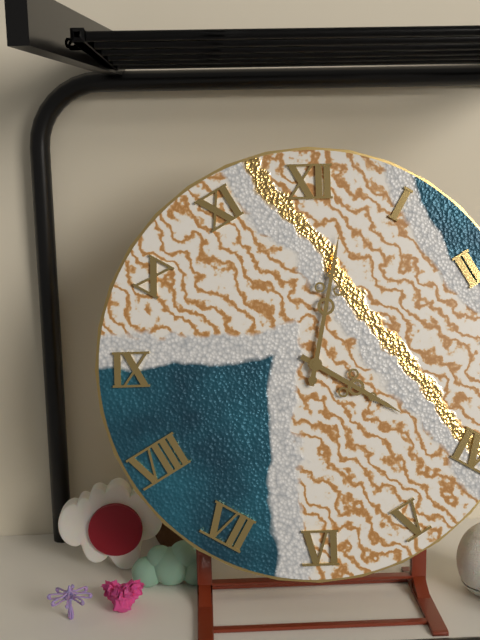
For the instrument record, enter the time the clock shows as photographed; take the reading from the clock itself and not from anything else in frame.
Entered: 4:02
